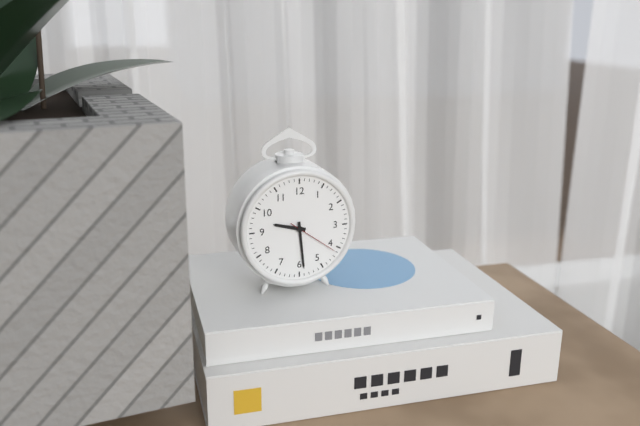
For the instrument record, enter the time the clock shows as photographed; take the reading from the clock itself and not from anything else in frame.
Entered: 9:29:21
